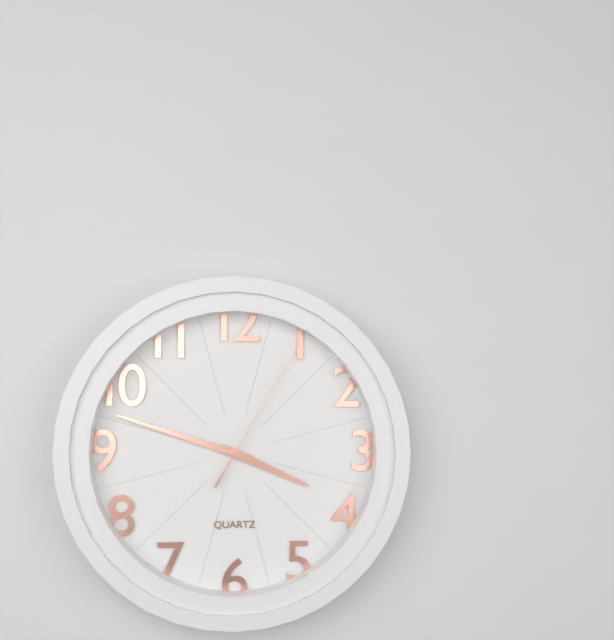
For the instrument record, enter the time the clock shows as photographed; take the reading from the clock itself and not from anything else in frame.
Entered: 3:48:05
